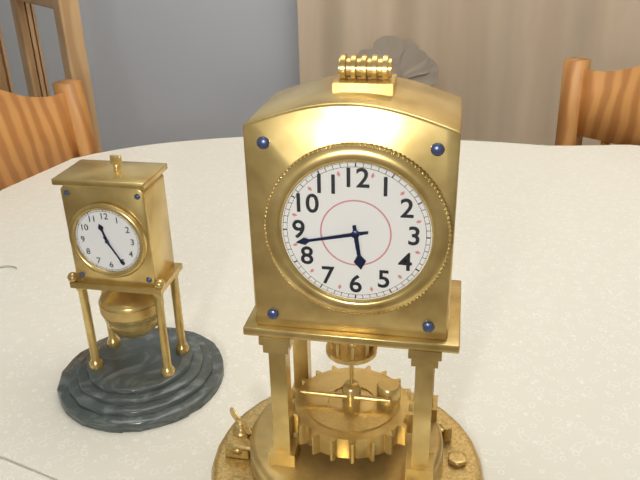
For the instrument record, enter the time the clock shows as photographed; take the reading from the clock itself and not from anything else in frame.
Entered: 5:43
